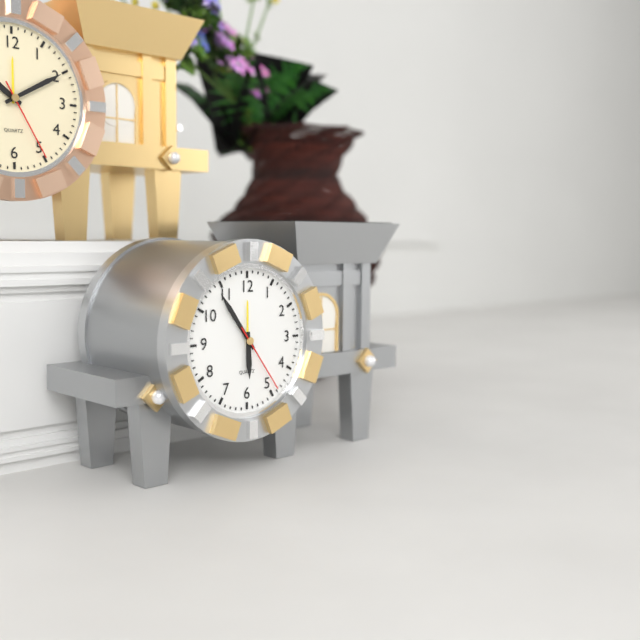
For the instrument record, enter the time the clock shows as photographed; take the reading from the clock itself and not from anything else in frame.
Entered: 5:54:24
